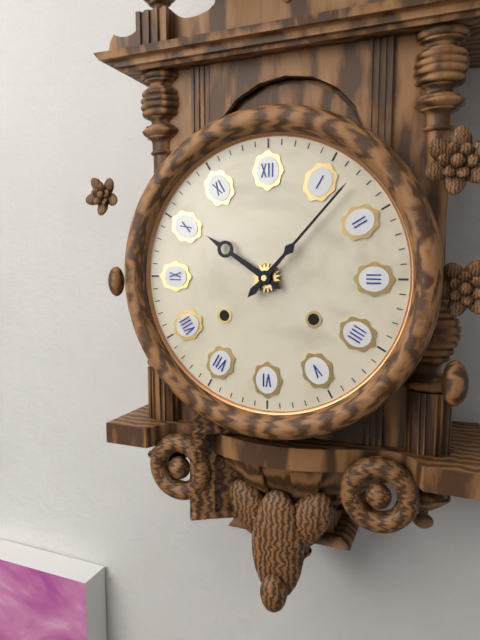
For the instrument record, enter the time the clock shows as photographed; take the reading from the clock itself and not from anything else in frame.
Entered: 10:07
